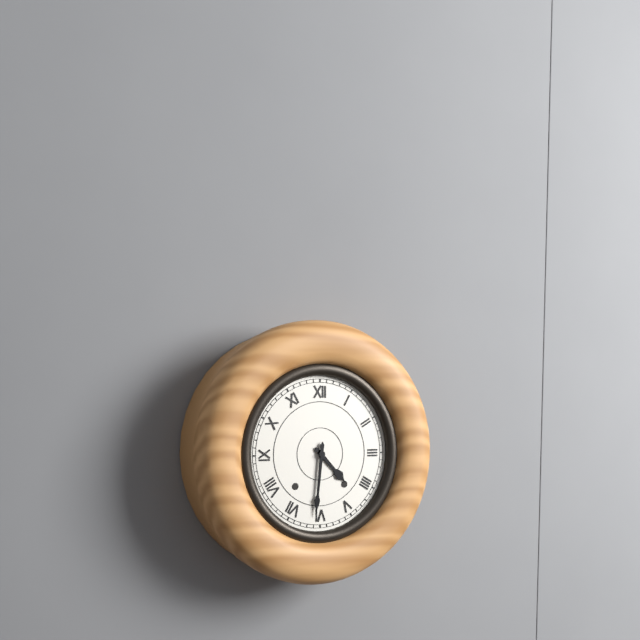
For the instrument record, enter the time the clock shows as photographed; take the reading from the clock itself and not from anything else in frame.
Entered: 4:31
